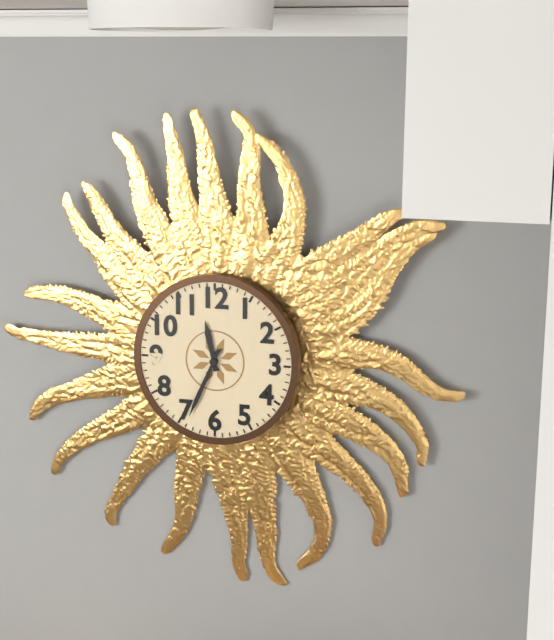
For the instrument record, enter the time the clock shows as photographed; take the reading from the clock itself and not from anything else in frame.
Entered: 11:34
